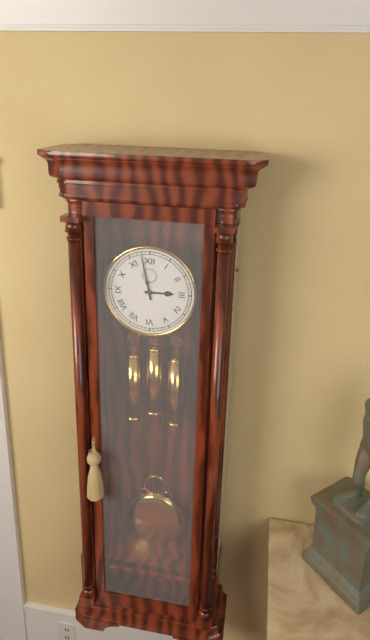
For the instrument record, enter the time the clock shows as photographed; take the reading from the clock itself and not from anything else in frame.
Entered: 2:58
